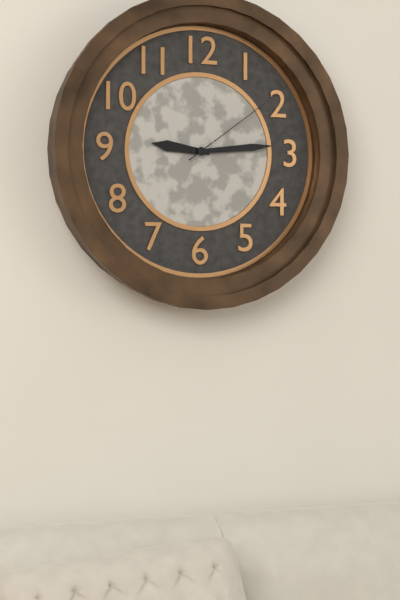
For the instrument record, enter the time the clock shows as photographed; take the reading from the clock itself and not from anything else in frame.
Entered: 9:14:09
